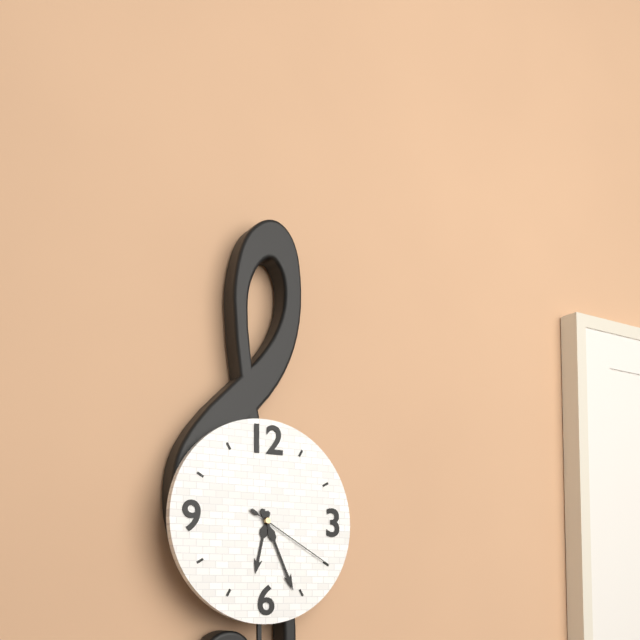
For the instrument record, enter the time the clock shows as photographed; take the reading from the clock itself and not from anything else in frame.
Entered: 6:26:20
